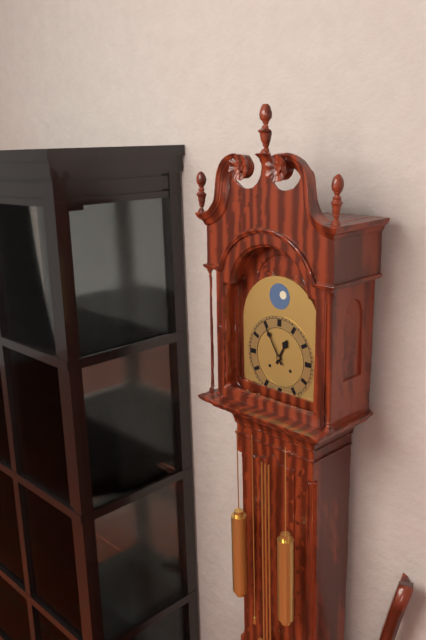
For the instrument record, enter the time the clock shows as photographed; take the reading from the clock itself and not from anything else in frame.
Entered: 12:55
